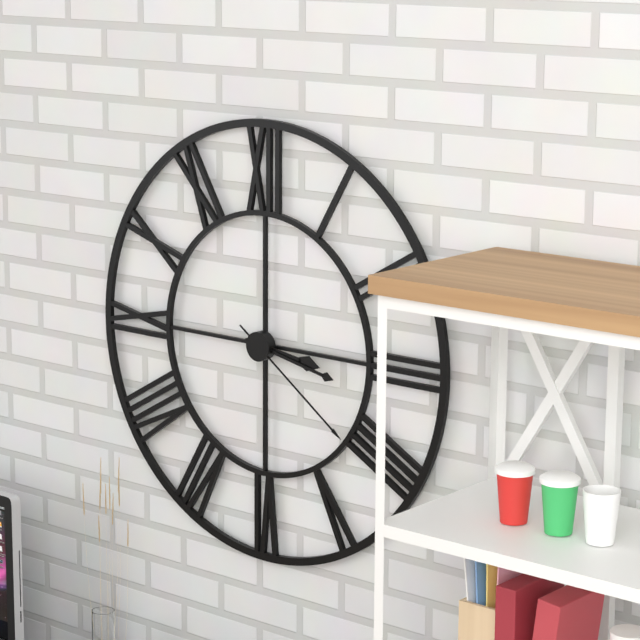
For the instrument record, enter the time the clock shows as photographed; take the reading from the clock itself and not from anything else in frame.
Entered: 3:17:21
